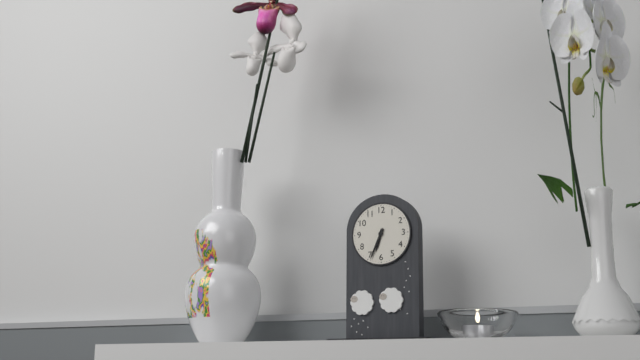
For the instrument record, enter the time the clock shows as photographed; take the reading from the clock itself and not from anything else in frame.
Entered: 6:34
